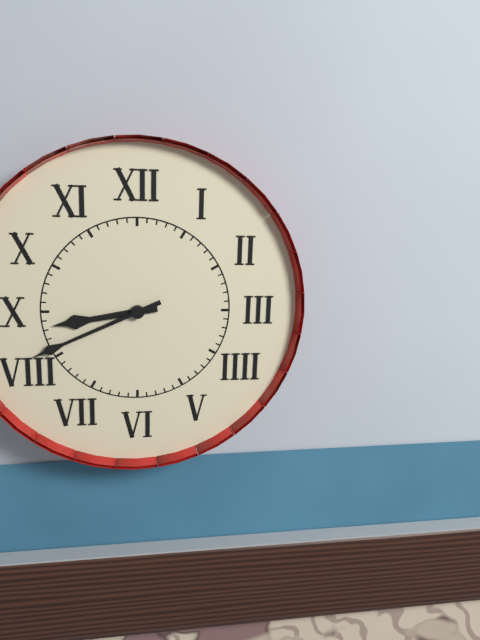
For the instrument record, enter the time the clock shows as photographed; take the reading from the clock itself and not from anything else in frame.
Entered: 8:41
